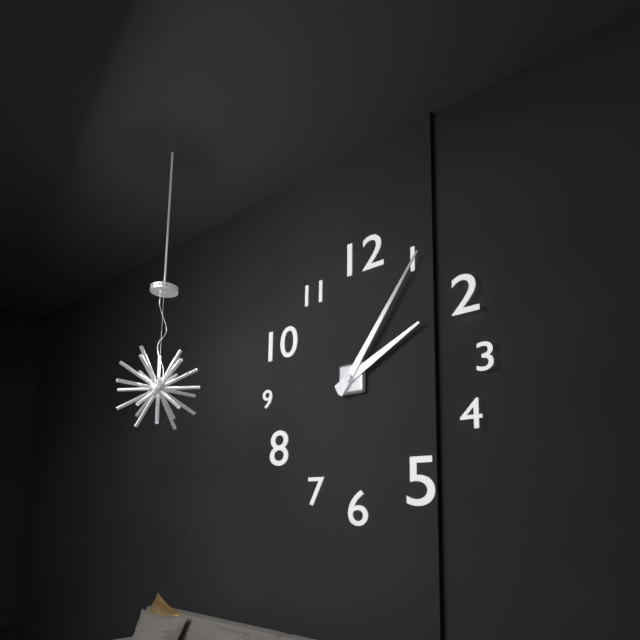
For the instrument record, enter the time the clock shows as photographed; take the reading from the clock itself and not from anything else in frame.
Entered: 2:06
